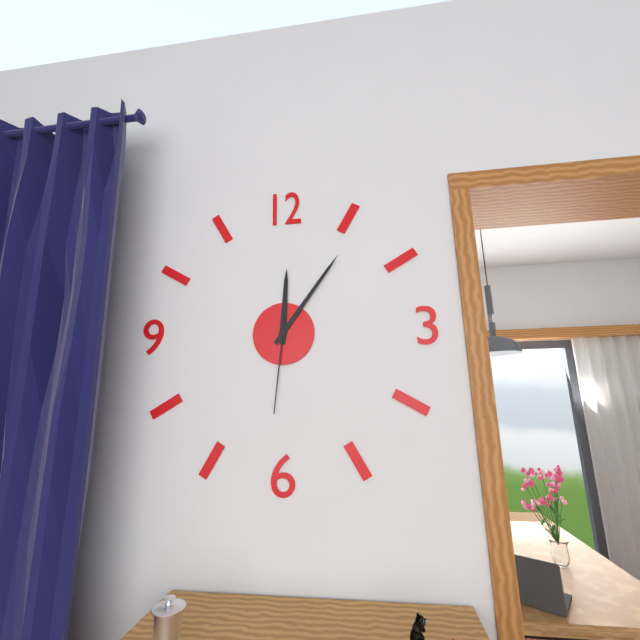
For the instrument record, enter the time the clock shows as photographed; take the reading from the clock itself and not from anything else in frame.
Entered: 12:06:31
